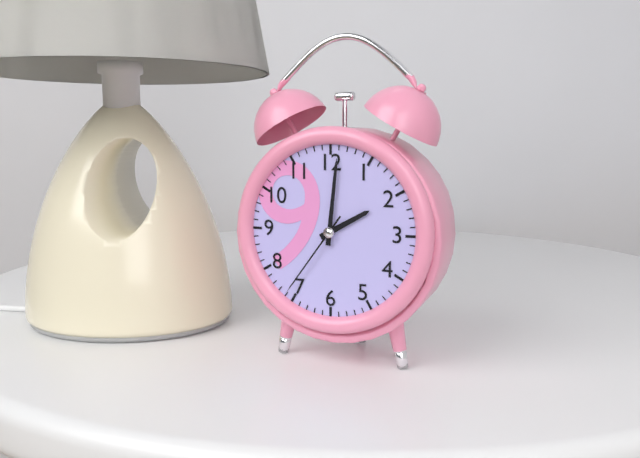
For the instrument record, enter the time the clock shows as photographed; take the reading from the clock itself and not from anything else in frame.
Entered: 2:01:36
